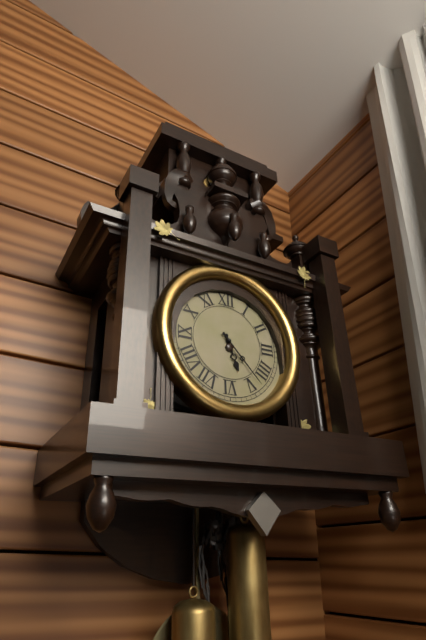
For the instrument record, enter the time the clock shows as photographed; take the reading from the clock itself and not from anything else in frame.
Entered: 5:23
